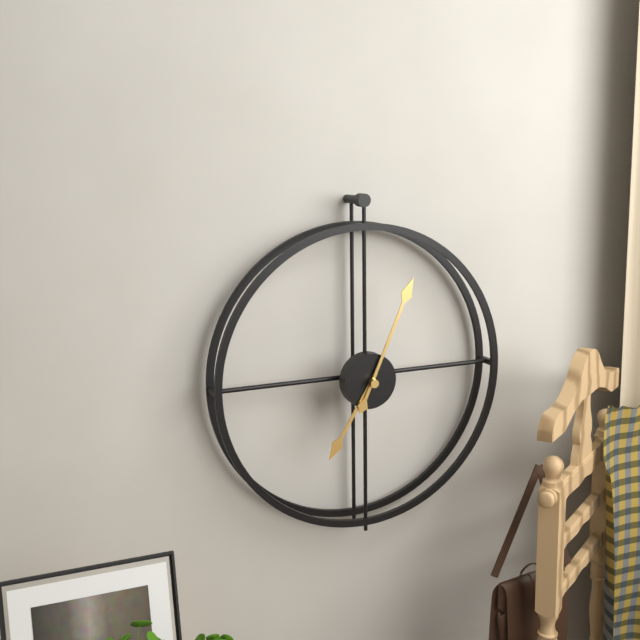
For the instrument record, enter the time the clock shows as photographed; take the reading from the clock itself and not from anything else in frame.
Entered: 7:04
